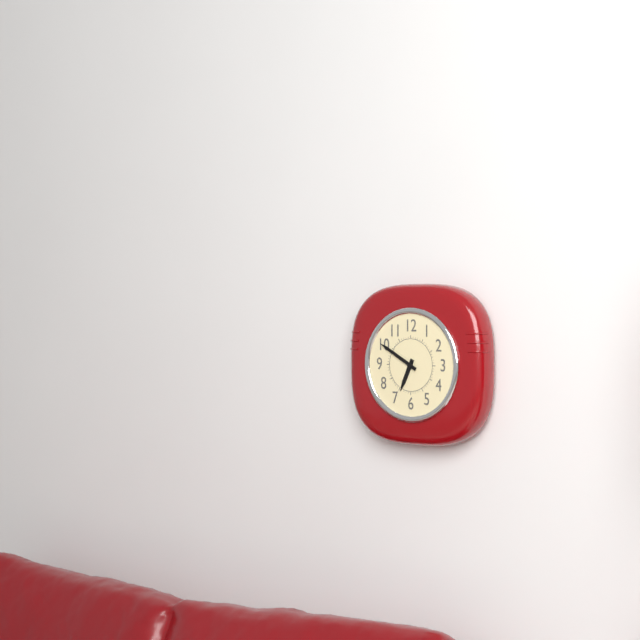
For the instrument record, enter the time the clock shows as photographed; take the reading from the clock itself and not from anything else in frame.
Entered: 6:50
